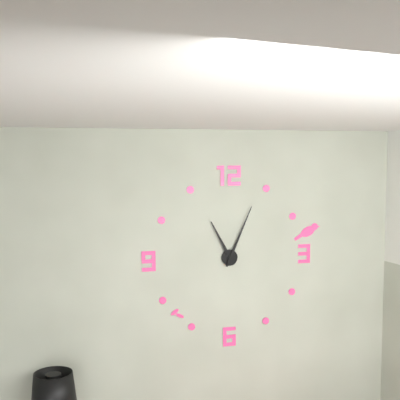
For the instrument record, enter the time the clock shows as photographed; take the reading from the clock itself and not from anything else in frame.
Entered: 11:04
